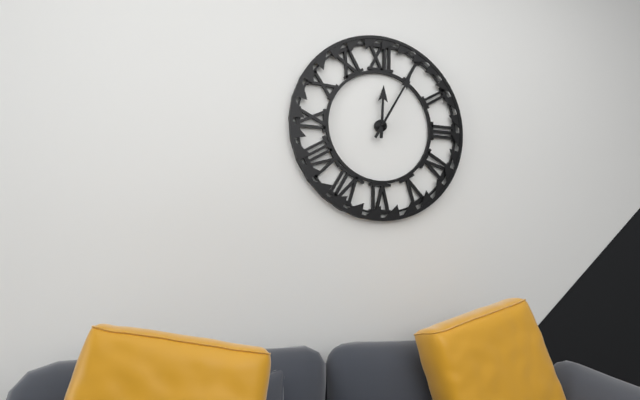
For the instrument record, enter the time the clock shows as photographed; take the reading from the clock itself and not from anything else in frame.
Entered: 12:05
